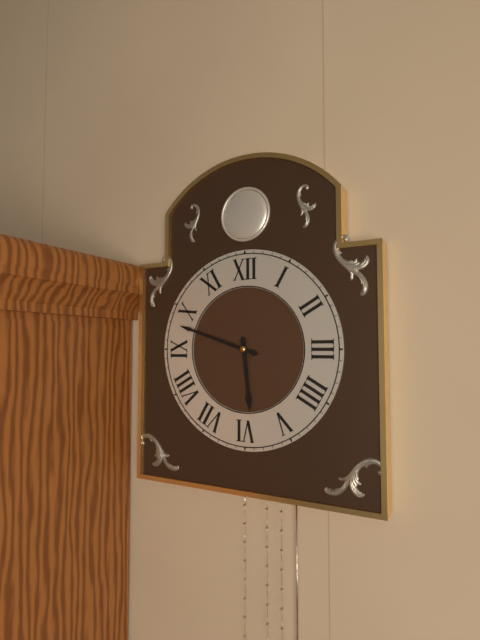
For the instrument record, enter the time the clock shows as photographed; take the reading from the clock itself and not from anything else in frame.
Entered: 5:48
